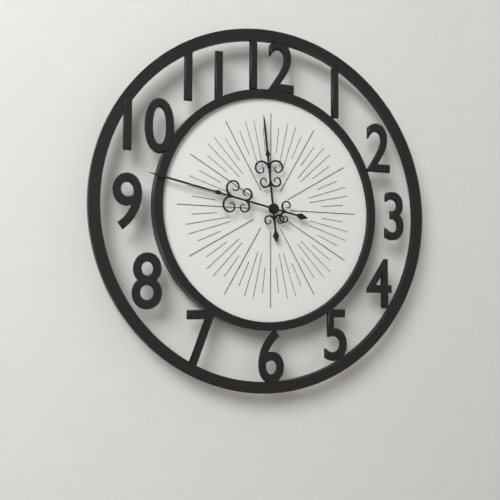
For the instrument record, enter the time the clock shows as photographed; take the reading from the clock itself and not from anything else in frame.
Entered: 11:47
